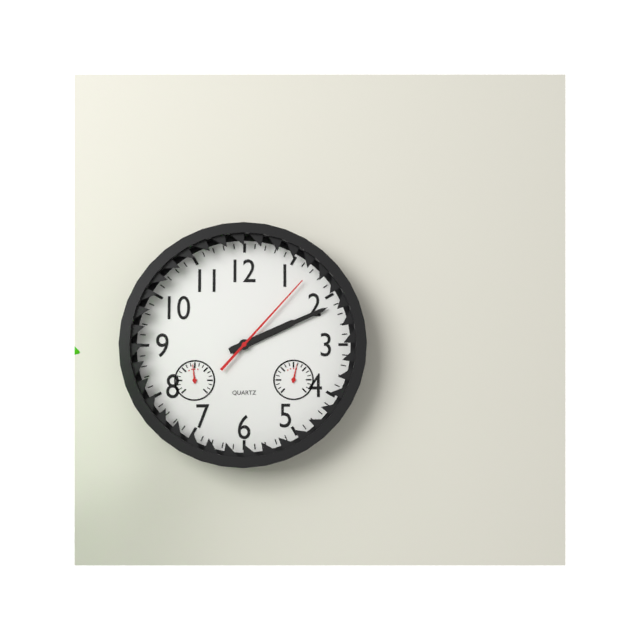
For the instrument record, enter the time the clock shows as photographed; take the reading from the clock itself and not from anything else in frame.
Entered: 2:11:07
